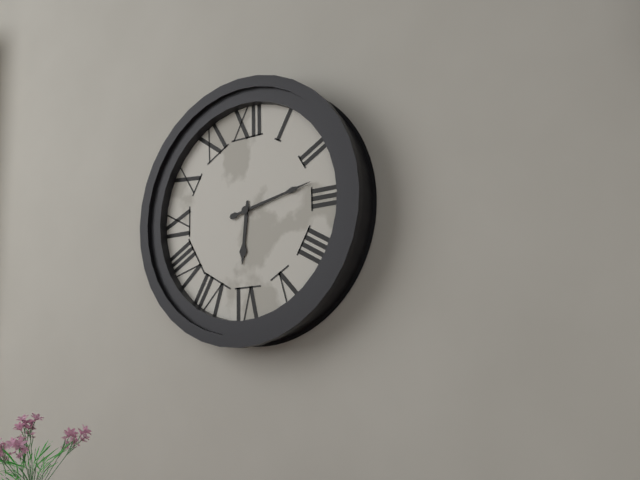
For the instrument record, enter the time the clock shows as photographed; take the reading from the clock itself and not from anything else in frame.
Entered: 6:13
